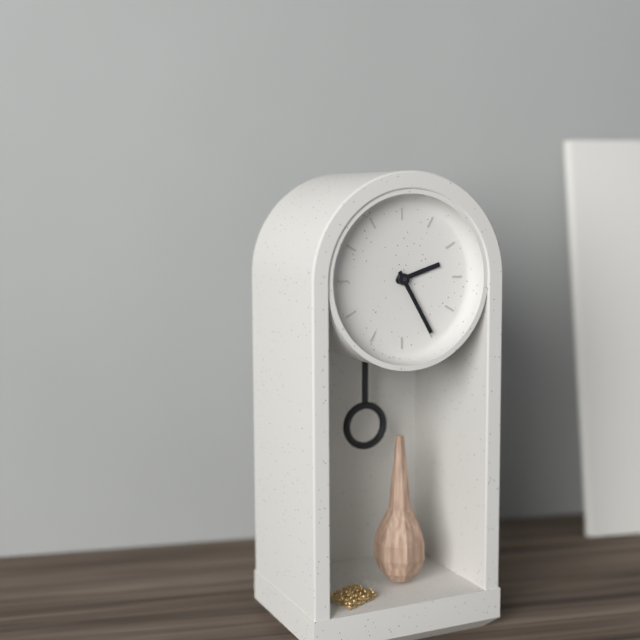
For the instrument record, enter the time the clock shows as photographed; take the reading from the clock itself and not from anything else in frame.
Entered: 2:25
